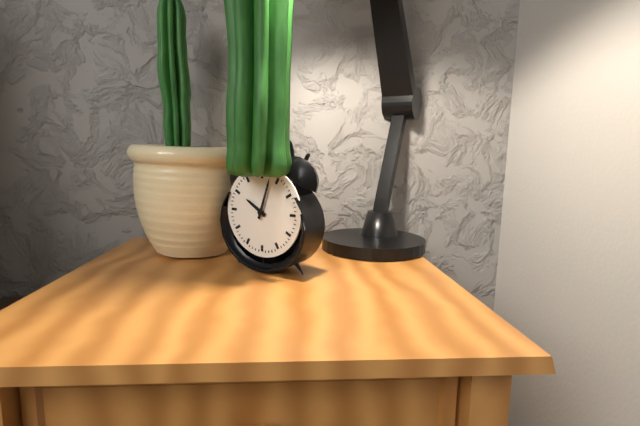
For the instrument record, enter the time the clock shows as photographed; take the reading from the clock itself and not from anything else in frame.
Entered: 10:03
